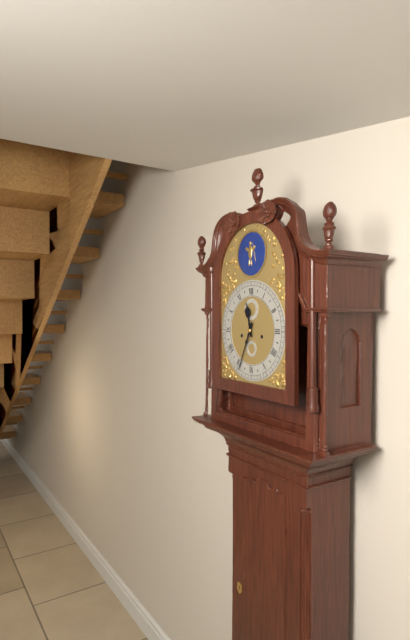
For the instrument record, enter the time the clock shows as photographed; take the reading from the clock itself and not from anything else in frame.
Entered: 11:34
